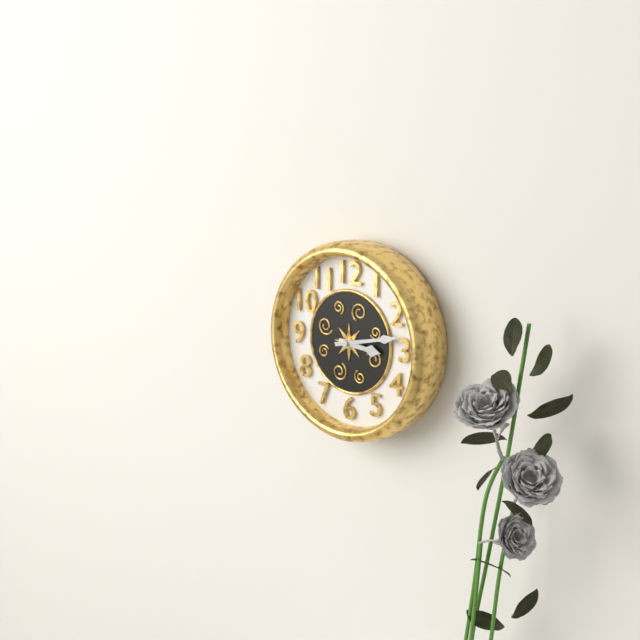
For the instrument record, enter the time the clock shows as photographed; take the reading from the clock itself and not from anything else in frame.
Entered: 3:13
